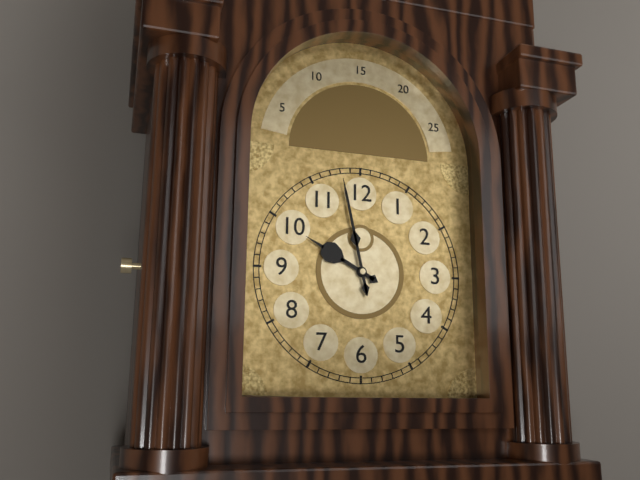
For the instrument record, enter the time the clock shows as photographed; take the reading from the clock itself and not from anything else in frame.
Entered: 9:58
